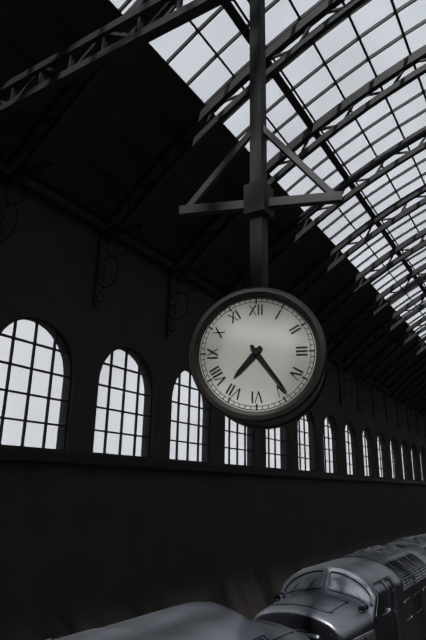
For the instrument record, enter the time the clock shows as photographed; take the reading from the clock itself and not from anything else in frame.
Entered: 7:24
